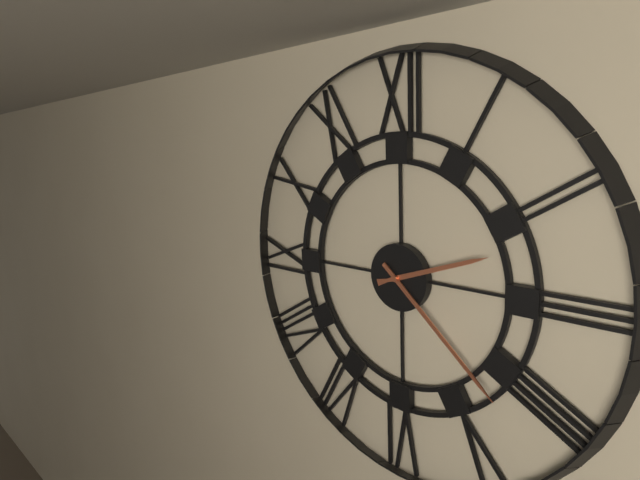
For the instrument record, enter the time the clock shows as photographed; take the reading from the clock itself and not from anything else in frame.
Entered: 2:22
